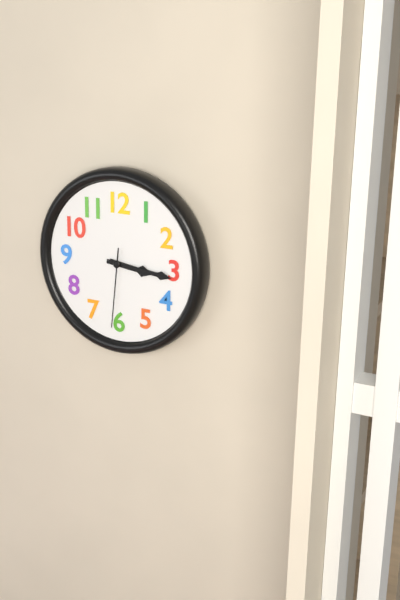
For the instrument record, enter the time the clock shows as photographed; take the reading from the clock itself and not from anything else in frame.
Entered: 3:16:31
